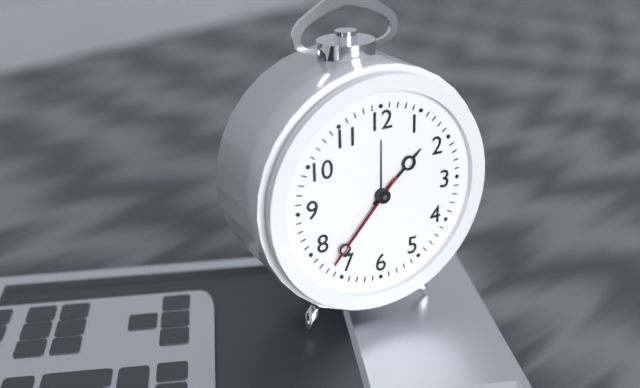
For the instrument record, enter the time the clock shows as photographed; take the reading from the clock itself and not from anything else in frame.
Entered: 1:37:37
